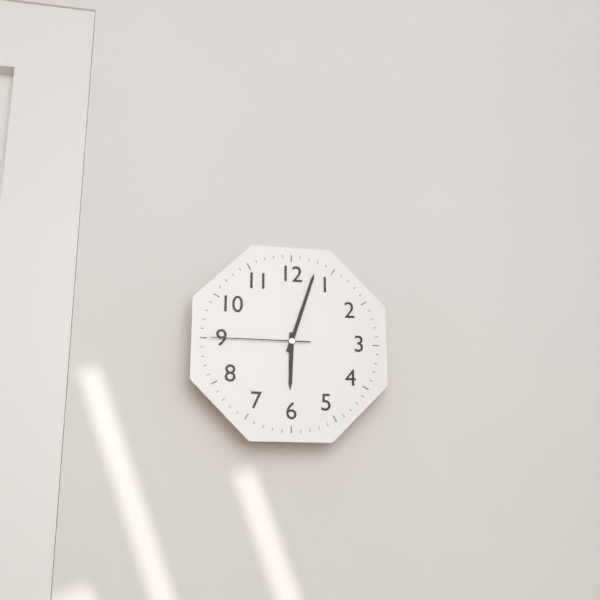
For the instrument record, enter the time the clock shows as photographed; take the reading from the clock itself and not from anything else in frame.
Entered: 6:03:45
